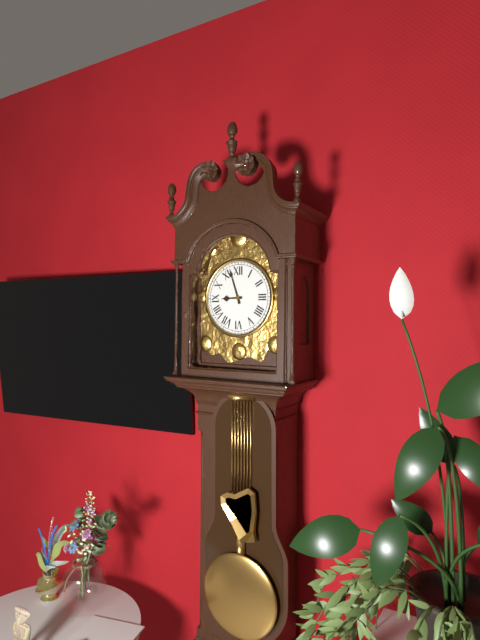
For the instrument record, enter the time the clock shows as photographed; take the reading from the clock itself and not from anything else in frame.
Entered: 8:57
